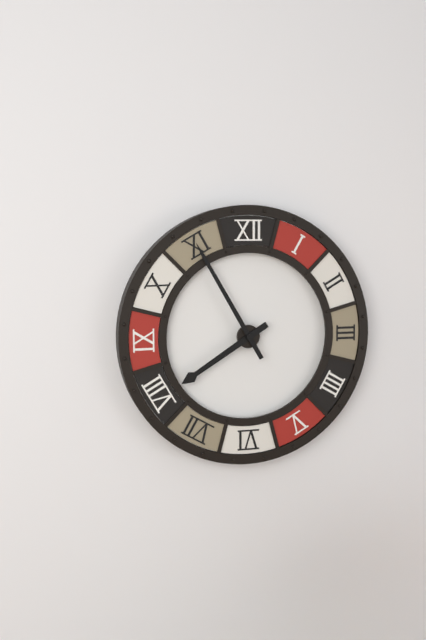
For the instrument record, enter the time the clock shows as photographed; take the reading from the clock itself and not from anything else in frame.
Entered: 7:55
